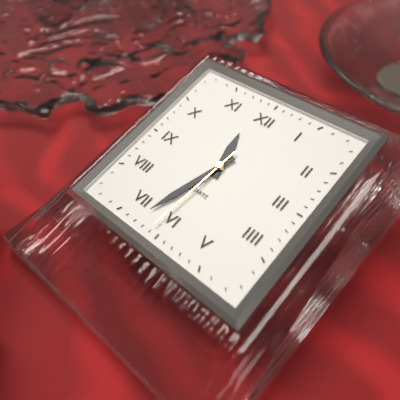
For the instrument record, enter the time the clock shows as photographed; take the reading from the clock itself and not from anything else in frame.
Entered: 11:33:31
